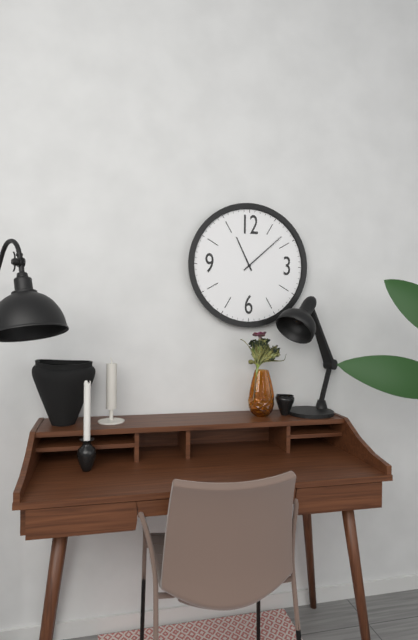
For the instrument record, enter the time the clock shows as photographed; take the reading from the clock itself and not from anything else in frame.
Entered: 11:08
